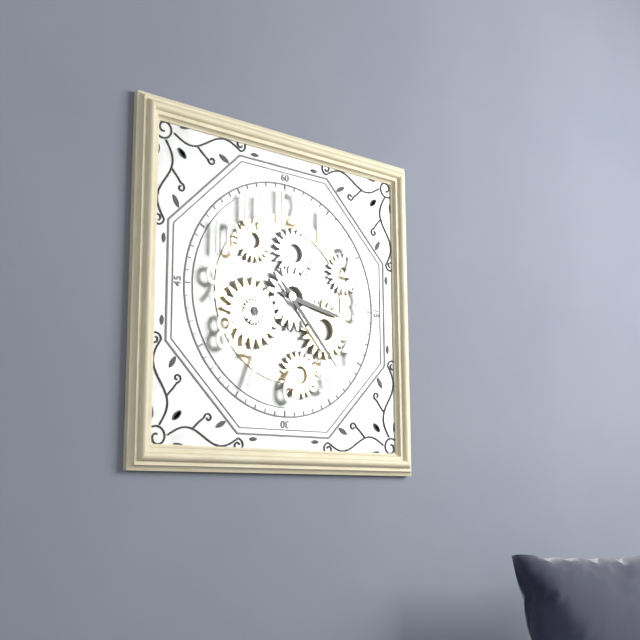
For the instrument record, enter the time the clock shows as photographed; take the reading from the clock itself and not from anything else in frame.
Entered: 3:23
